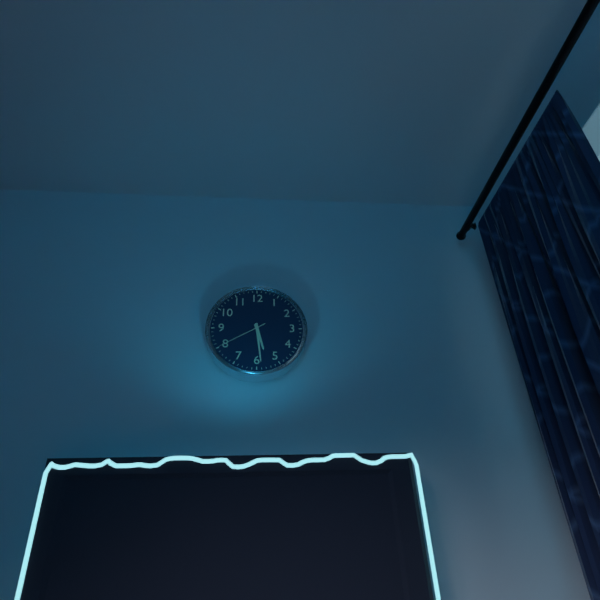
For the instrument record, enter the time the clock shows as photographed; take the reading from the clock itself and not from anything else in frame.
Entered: 5:29:40
